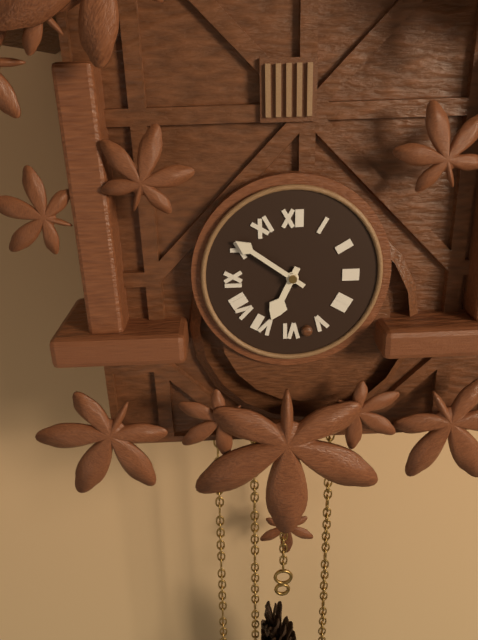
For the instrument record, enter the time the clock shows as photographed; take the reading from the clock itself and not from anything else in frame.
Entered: 6:51
